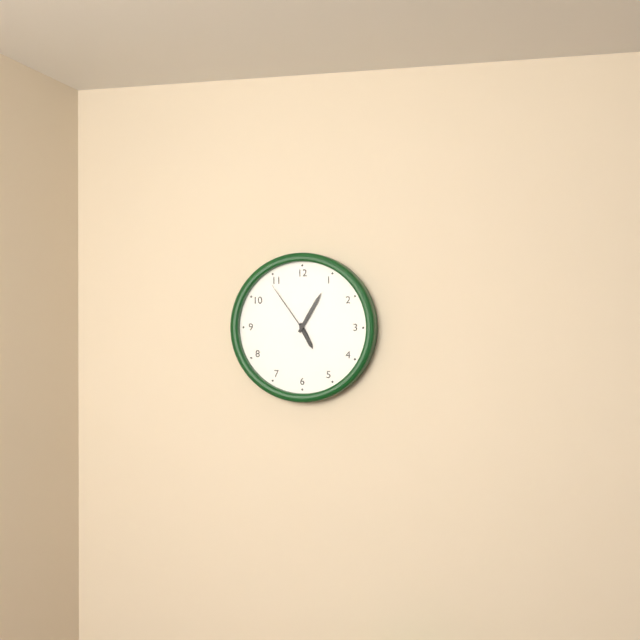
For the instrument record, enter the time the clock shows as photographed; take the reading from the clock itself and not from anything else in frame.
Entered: 5:05:54
